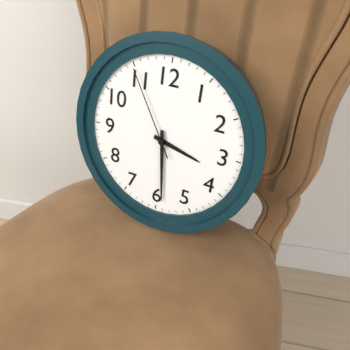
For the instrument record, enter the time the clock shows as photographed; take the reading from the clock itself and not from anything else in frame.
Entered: 3:29:55
